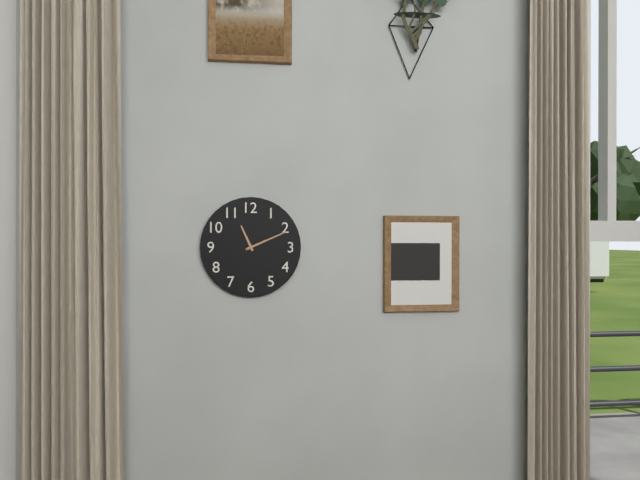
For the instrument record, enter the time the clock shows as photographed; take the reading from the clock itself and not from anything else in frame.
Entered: 11:11
